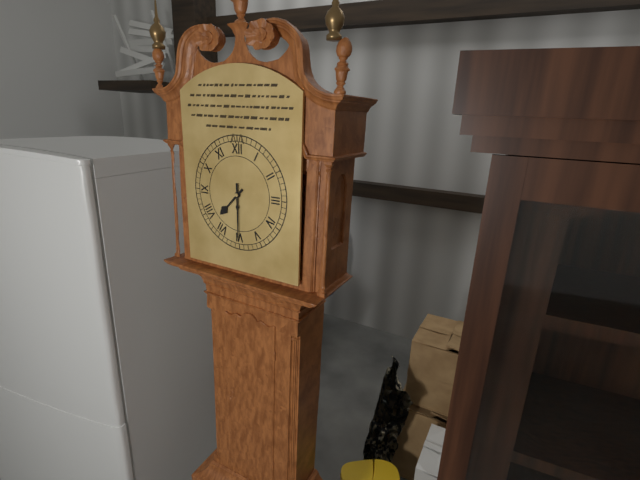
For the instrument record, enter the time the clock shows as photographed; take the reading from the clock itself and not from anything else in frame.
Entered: 7:30
